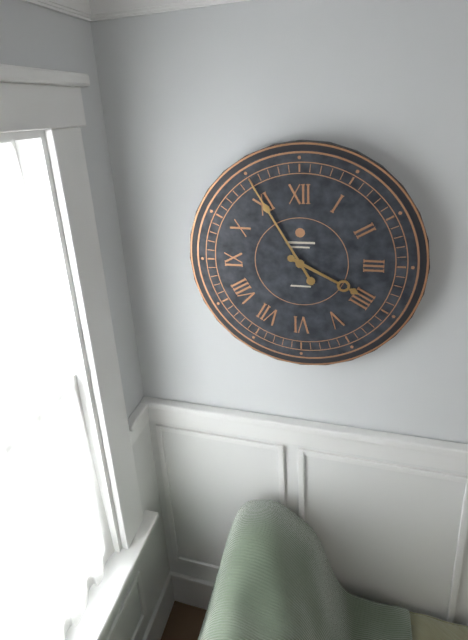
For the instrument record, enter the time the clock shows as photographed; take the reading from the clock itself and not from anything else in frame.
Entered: 3:55
